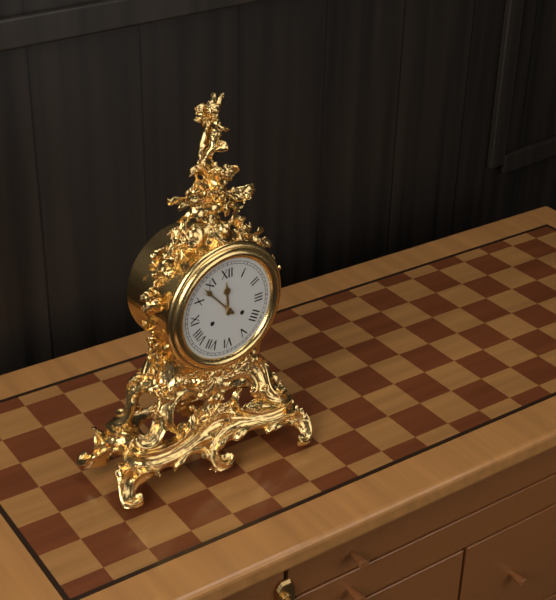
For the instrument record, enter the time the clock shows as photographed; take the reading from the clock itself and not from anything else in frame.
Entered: 11:53
